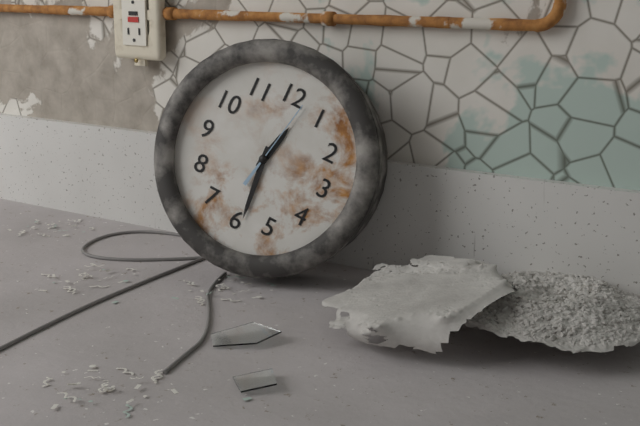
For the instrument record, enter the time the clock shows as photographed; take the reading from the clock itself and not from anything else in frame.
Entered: 12:29:02
